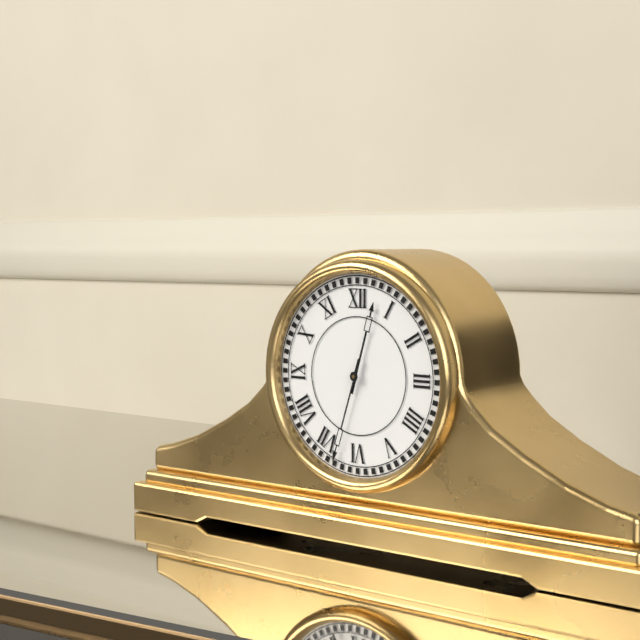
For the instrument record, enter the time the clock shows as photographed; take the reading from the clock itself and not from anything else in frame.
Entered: 12:33
